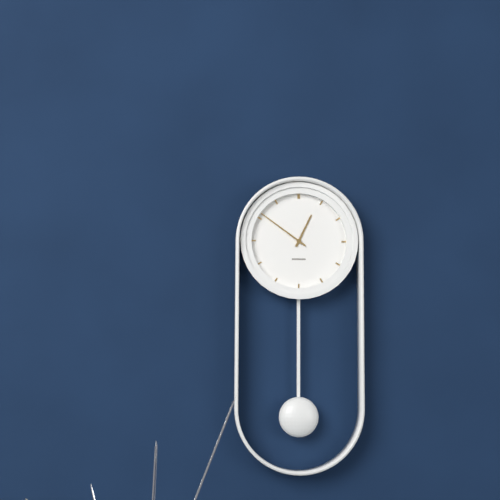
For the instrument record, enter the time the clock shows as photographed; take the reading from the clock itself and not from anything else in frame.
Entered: 12:51
